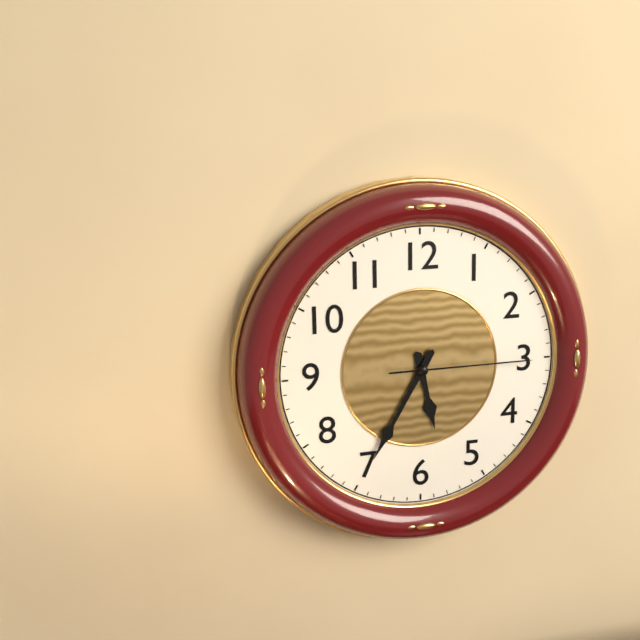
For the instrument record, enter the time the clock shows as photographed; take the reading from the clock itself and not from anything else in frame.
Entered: 5:35:15
